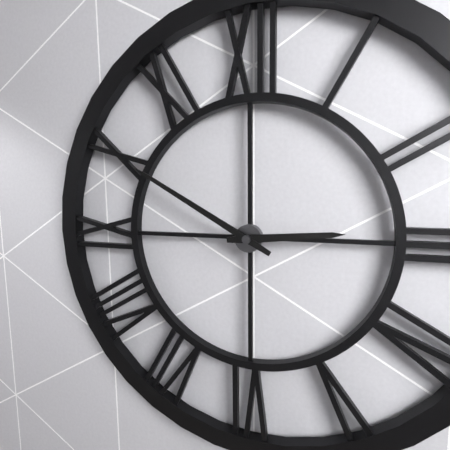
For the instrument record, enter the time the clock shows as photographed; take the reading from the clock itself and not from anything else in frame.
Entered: 2:50
